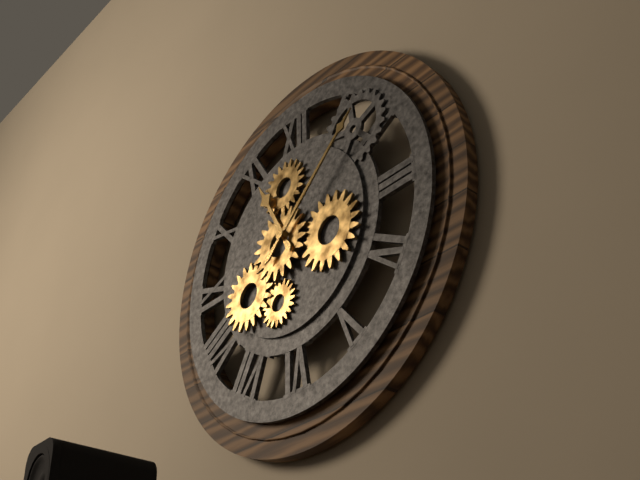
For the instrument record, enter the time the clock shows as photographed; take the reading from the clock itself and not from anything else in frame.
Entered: 11:08
